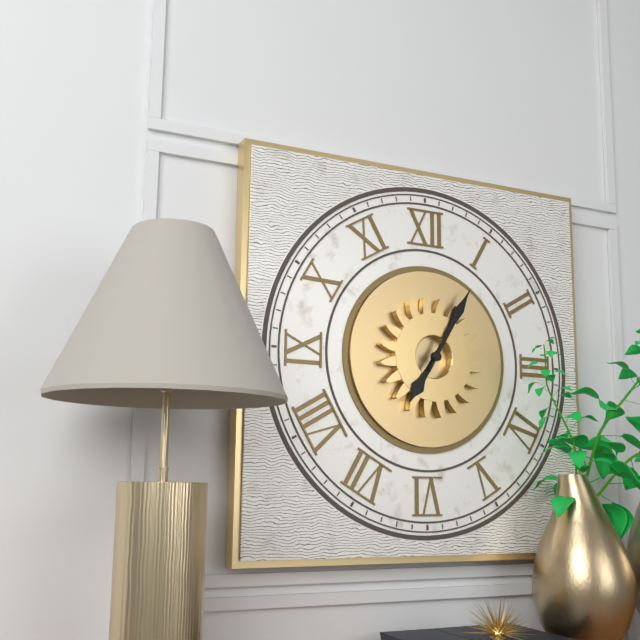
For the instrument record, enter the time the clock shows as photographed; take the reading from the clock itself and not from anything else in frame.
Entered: 7:05
